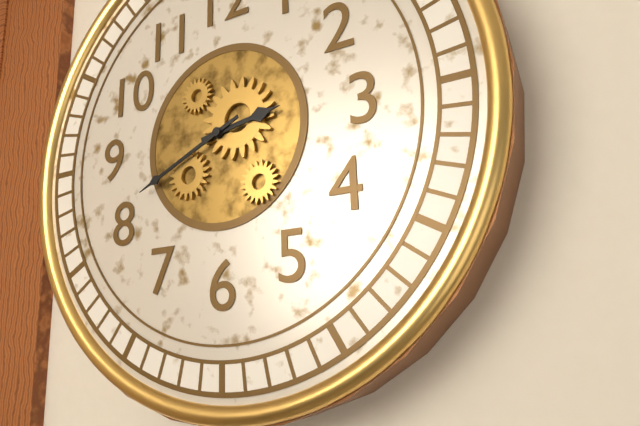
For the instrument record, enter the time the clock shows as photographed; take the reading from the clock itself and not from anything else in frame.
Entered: 2:41
